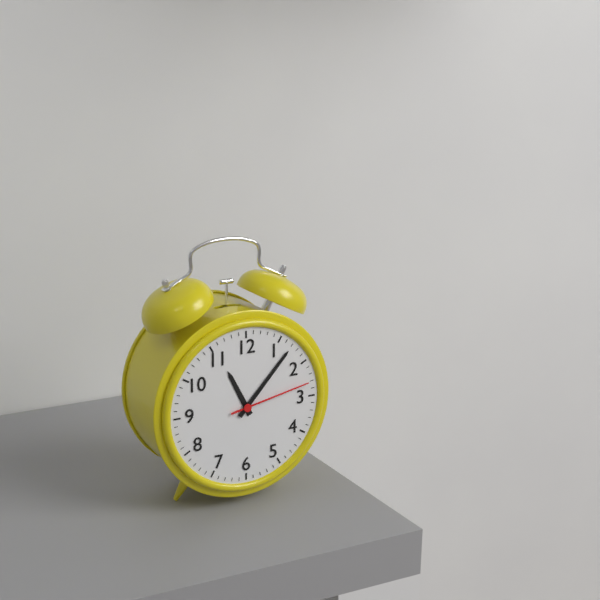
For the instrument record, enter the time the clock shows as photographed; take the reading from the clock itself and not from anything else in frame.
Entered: 11:07:13
